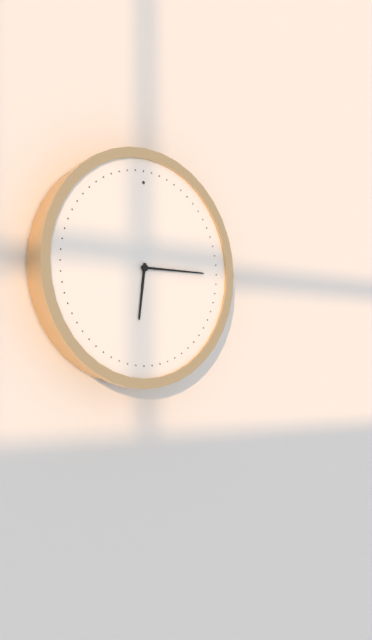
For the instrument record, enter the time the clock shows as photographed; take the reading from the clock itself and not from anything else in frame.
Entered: 6:15
